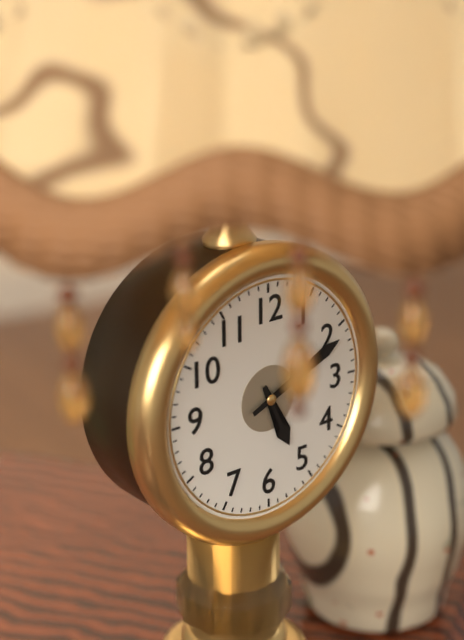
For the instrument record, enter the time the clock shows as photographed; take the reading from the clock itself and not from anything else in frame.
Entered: 5:11
